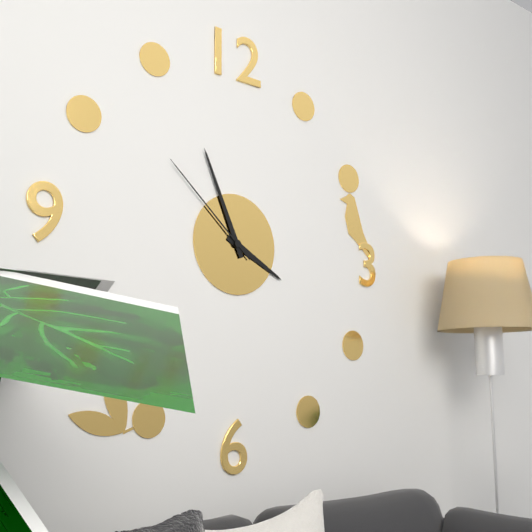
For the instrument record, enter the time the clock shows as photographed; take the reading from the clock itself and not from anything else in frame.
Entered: 3:56:52
